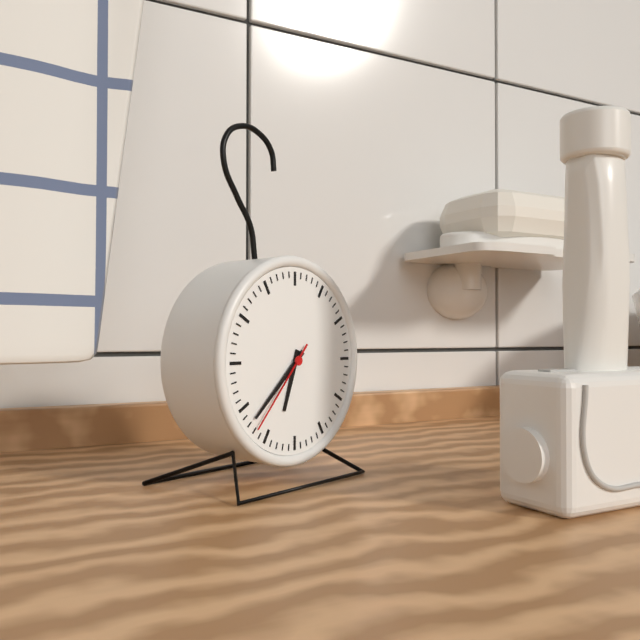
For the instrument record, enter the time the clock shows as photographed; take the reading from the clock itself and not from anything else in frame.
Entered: 6:38:37
